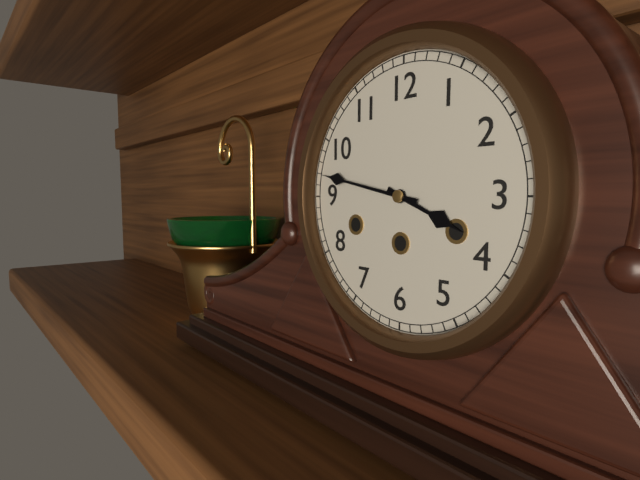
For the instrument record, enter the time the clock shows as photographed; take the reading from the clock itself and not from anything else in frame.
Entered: 3:47
